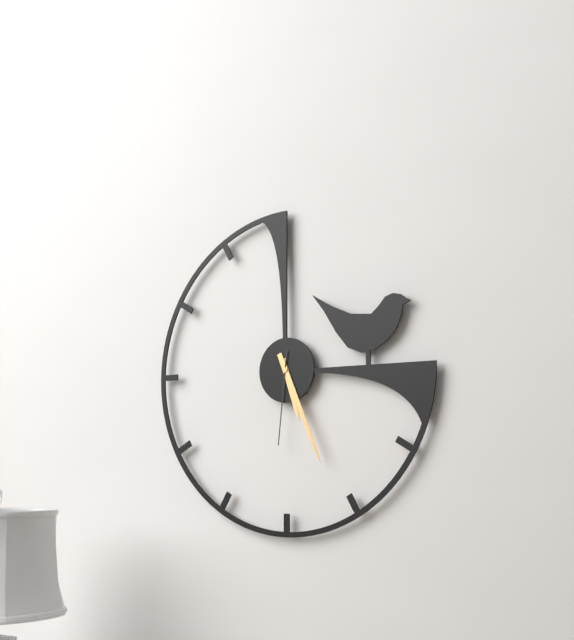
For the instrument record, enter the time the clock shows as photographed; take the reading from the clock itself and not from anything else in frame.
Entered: 5:26:31
